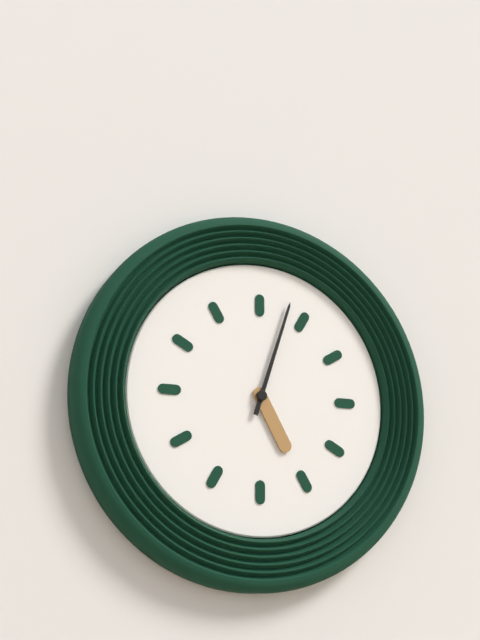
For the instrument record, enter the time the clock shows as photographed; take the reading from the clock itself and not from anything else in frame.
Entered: 5:03
